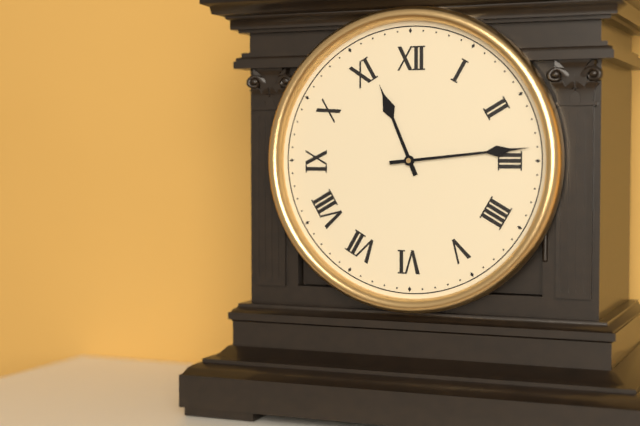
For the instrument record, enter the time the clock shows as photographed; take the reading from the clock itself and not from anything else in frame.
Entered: 11:14
